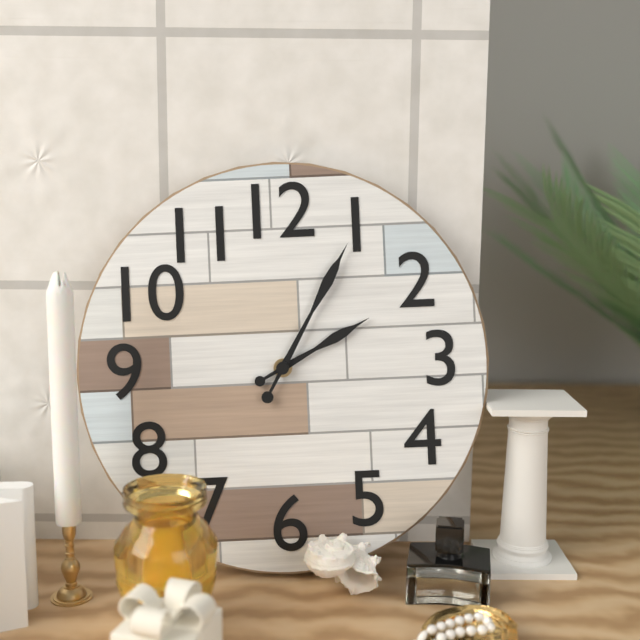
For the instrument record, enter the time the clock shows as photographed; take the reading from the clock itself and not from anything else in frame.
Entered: 2:05
